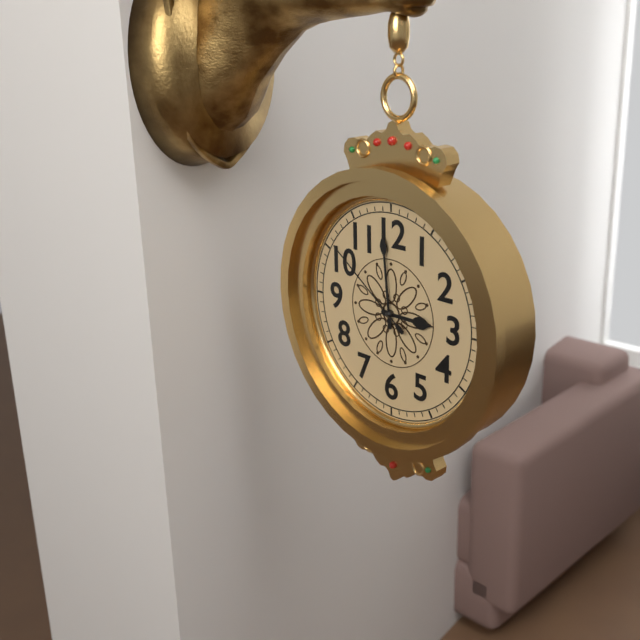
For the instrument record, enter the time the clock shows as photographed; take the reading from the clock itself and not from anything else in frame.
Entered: 2:59:51
